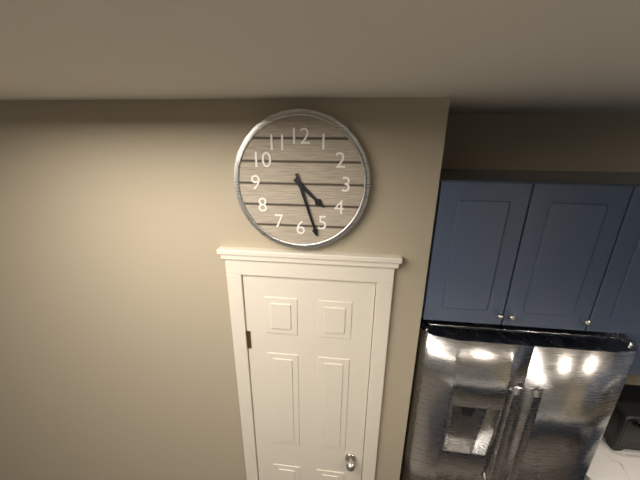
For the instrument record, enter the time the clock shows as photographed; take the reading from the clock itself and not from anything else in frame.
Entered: 4:27
